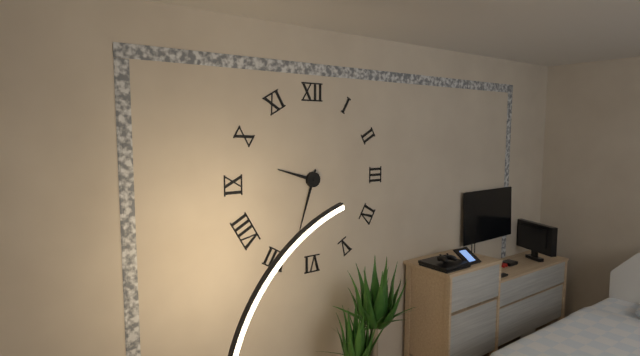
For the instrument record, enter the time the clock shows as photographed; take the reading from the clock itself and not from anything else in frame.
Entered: 9:33
